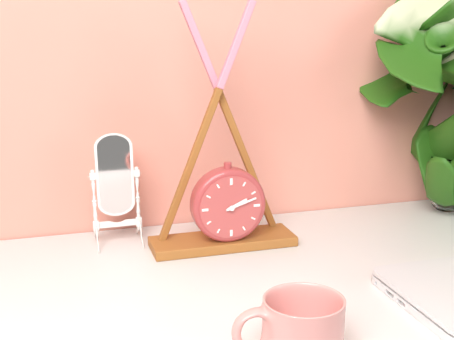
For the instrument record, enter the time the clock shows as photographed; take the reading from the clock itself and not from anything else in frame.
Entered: 2:12
